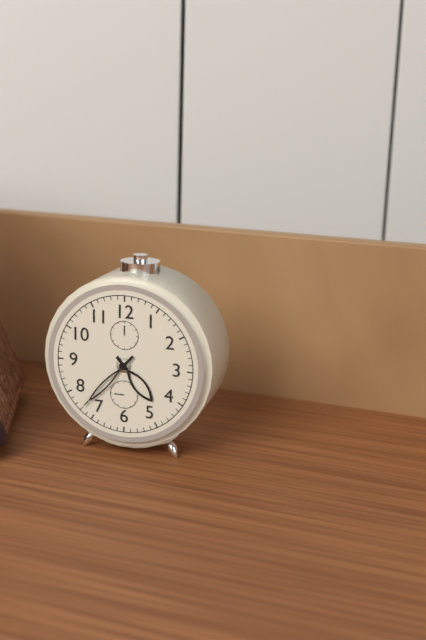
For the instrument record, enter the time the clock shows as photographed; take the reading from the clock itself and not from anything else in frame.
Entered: 4:37
